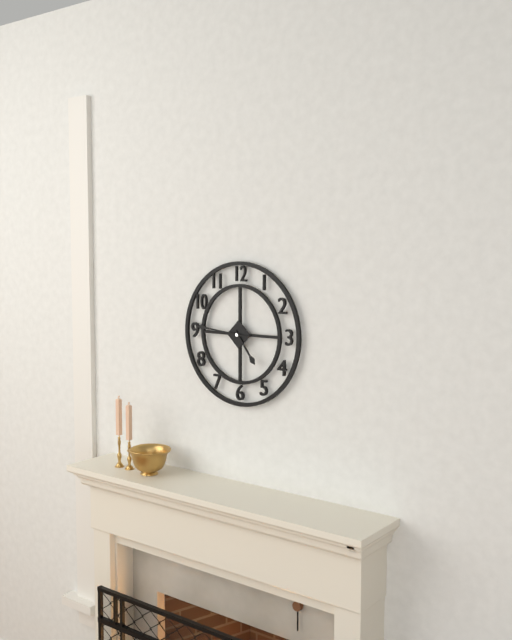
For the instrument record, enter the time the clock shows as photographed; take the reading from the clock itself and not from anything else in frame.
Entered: 4:46
